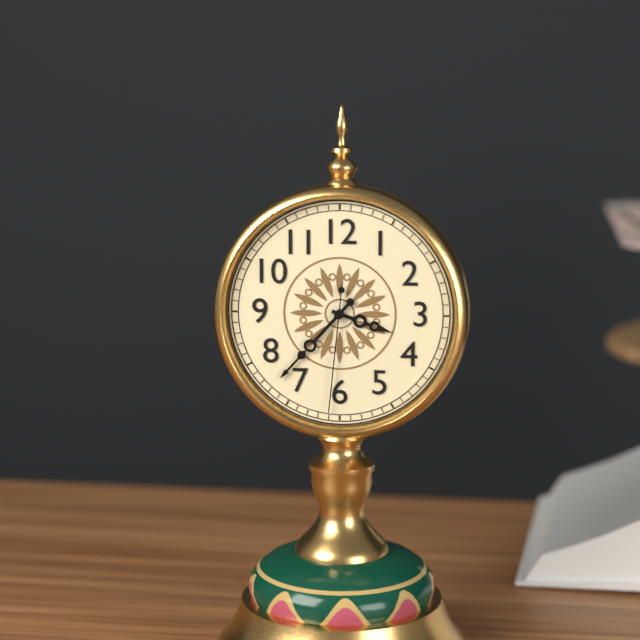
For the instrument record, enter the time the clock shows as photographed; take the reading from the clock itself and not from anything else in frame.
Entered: 3:37:31
